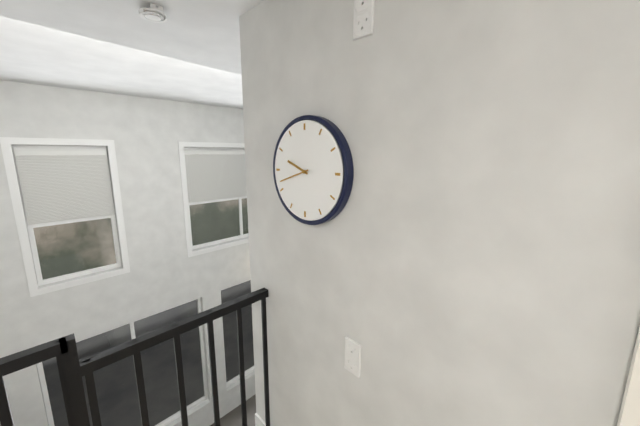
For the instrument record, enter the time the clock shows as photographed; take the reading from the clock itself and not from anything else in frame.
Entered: 9:42
